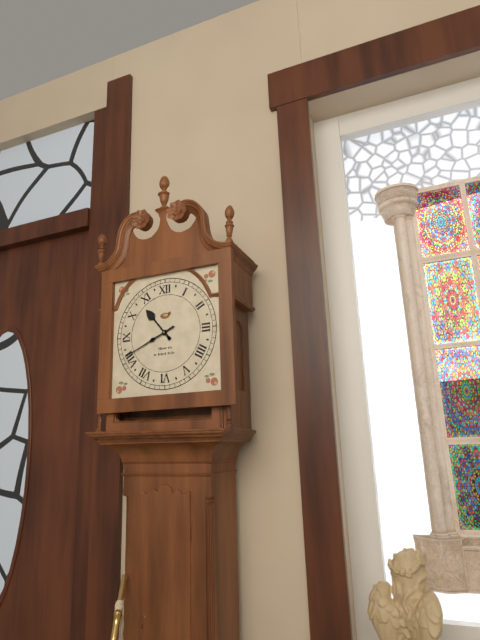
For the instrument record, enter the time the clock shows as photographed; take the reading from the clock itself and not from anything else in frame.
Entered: 10:41
